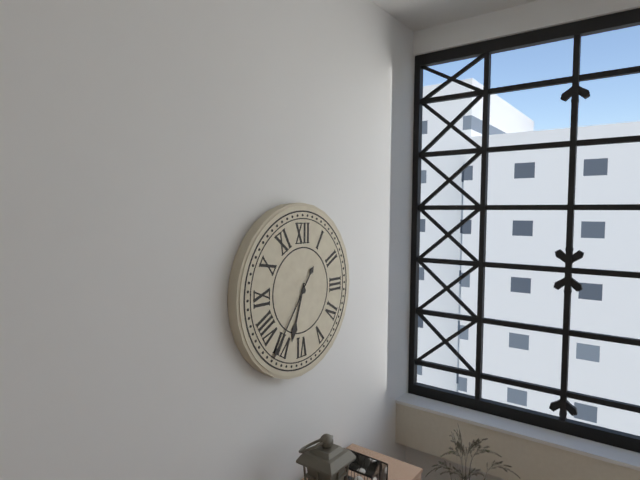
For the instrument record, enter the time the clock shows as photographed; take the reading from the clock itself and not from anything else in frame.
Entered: 6:36
